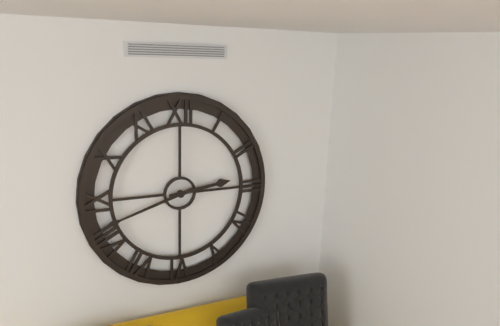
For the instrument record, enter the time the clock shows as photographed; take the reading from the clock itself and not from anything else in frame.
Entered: 2:42
